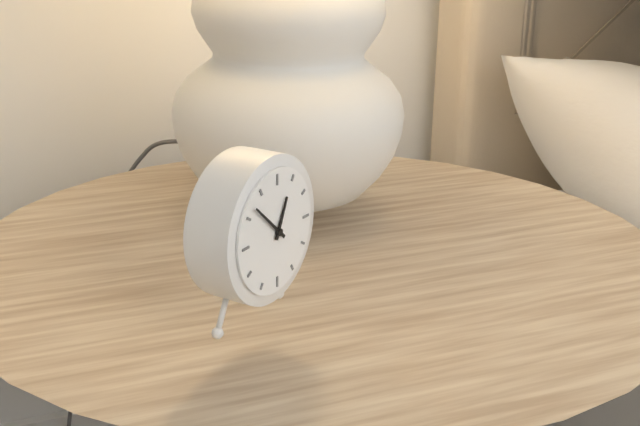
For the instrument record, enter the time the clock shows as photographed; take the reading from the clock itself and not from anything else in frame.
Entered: 12:52
